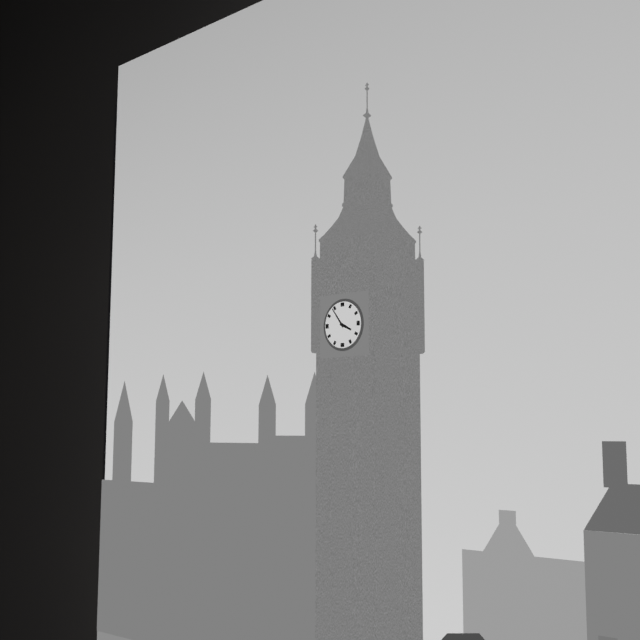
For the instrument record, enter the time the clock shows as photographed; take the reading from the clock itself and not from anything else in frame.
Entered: 3:54
